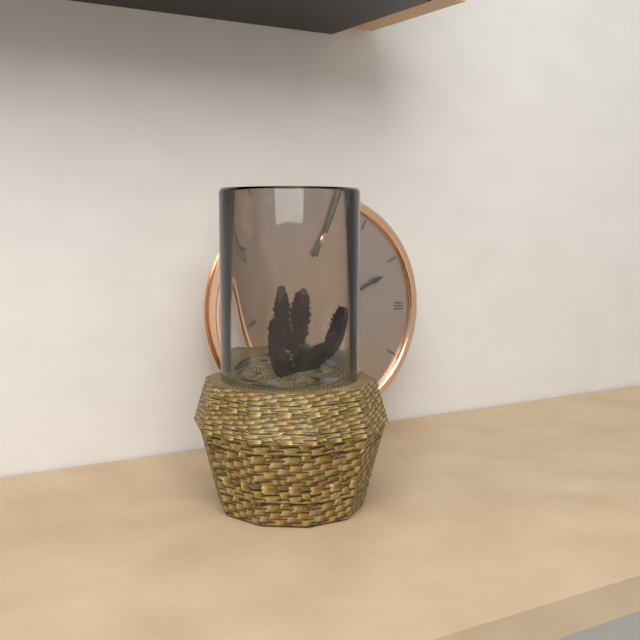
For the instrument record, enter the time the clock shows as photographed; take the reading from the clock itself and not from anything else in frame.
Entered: 1:11
